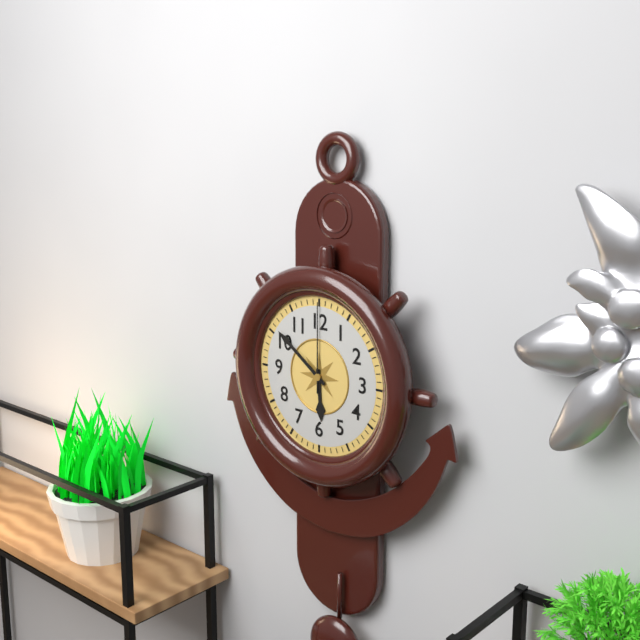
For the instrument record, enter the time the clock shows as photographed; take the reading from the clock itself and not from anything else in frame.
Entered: 5:51:00
